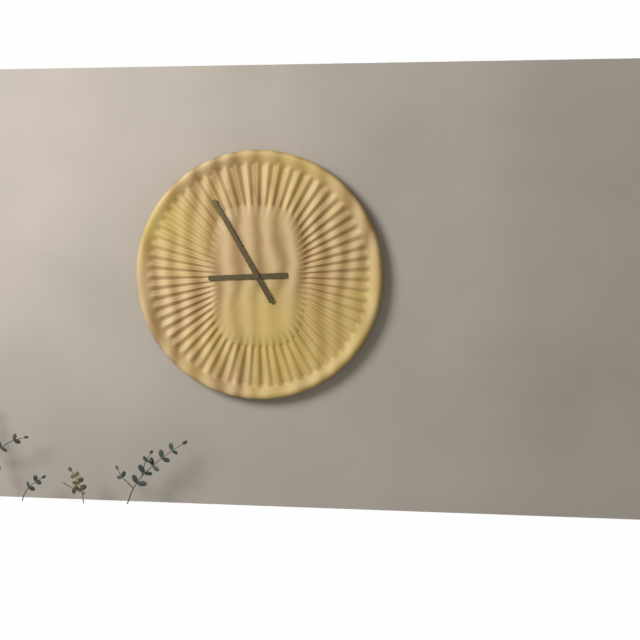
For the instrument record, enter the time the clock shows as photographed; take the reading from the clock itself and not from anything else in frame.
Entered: 8:55
